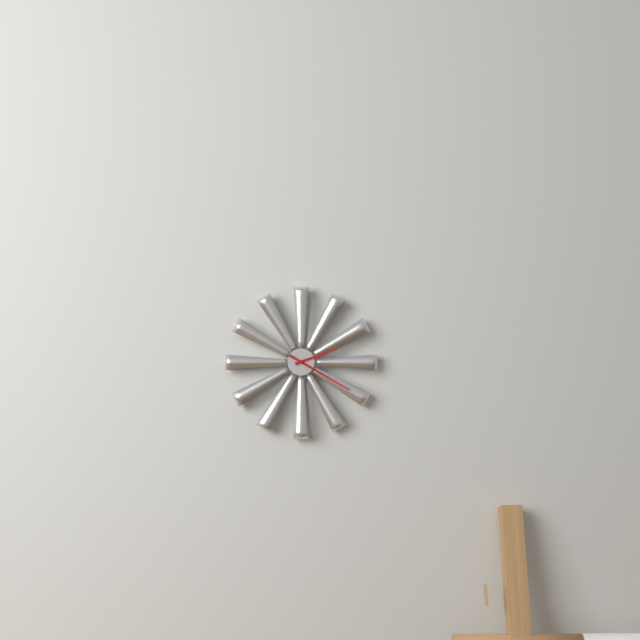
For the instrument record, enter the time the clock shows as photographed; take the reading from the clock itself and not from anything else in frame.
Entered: 2:20
